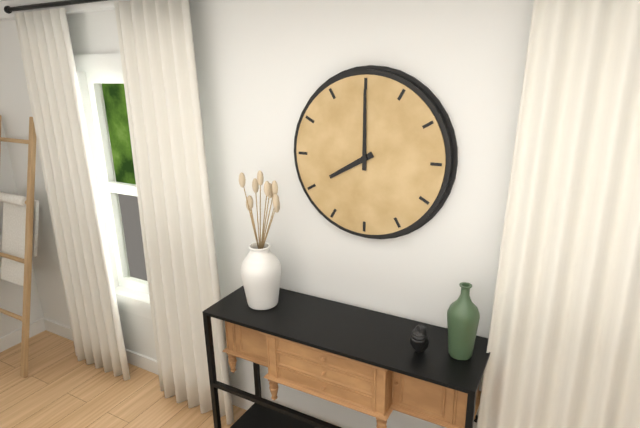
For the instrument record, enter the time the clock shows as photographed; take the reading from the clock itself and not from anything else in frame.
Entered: 8:00
